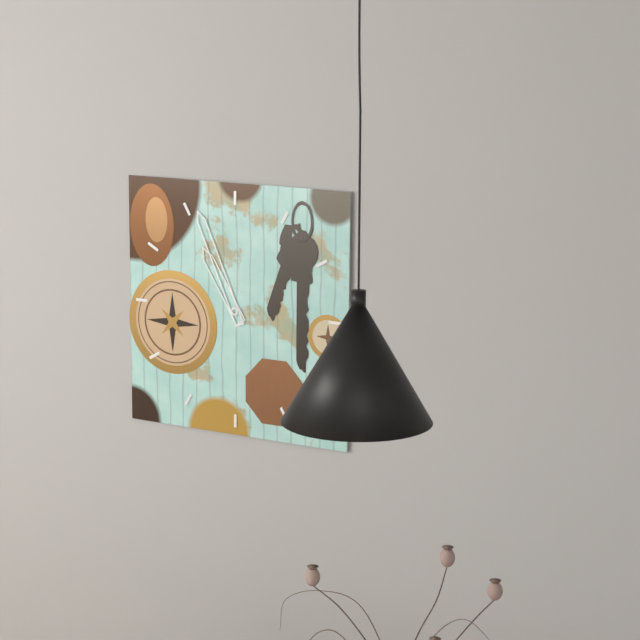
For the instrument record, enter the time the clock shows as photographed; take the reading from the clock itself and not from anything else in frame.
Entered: 10:56
